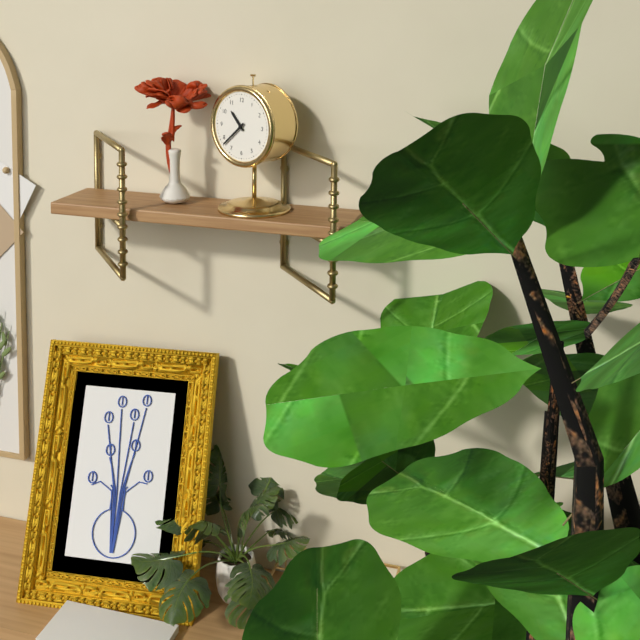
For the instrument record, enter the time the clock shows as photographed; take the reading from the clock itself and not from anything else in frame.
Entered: 10:38
